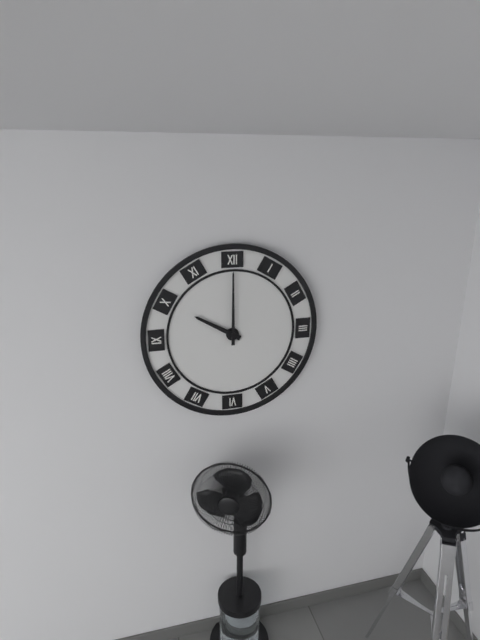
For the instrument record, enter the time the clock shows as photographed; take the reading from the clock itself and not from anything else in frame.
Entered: 10:00
